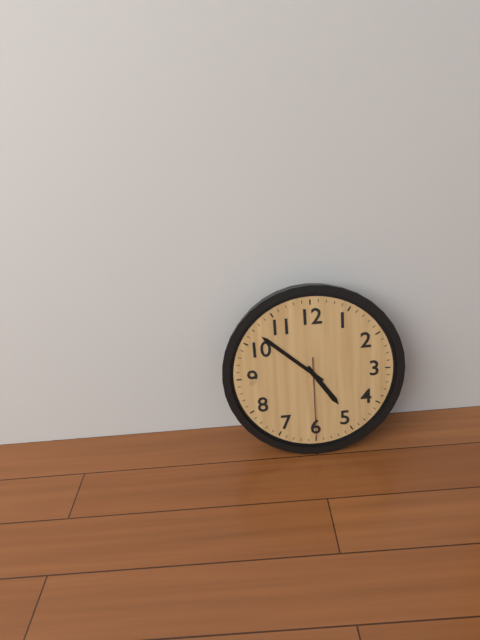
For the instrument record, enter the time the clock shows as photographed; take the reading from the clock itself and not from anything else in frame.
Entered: 4:52:30
